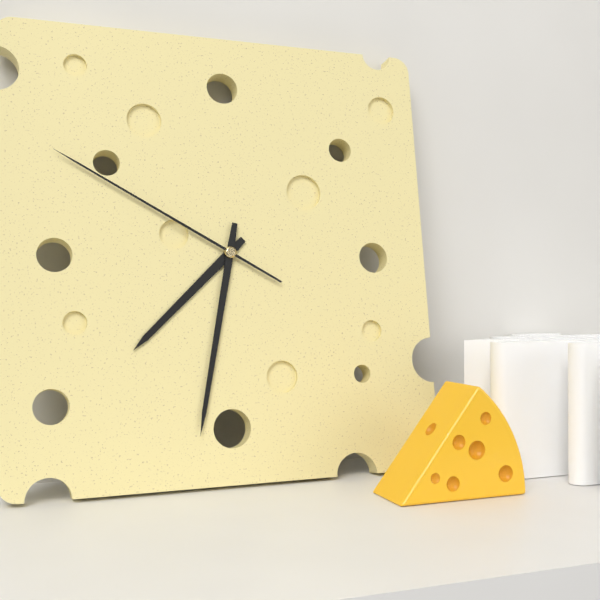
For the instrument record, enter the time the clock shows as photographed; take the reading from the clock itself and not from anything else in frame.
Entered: 7:32:50
